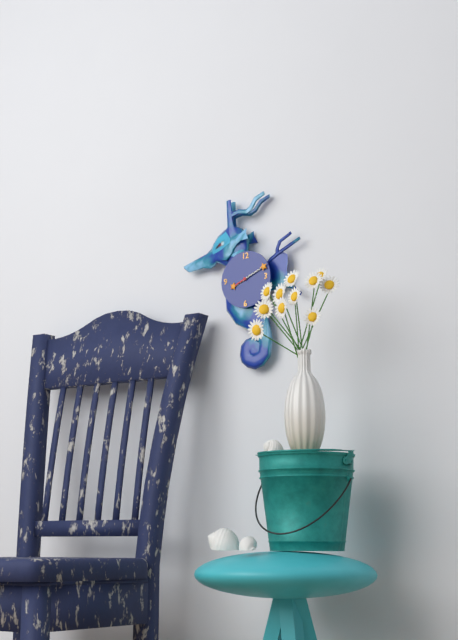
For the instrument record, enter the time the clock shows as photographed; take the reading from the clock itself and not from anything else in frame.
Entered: 8:11
